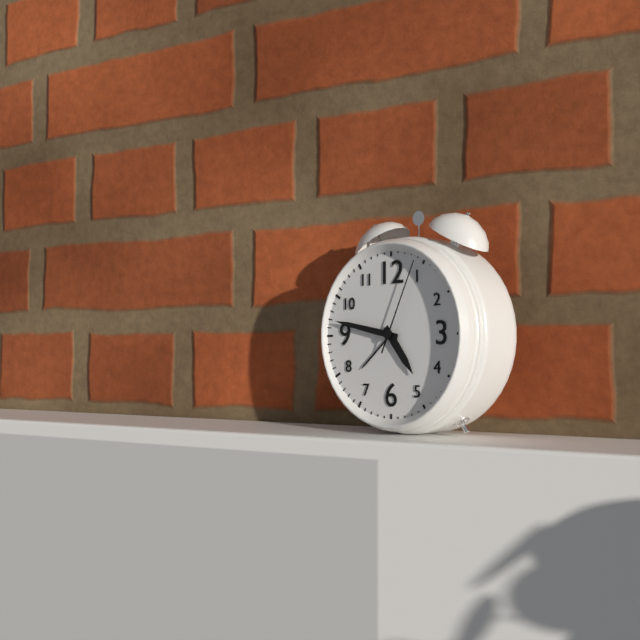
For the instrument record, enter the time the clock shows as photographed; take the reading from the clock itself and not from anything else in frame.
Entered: 4:47:04
